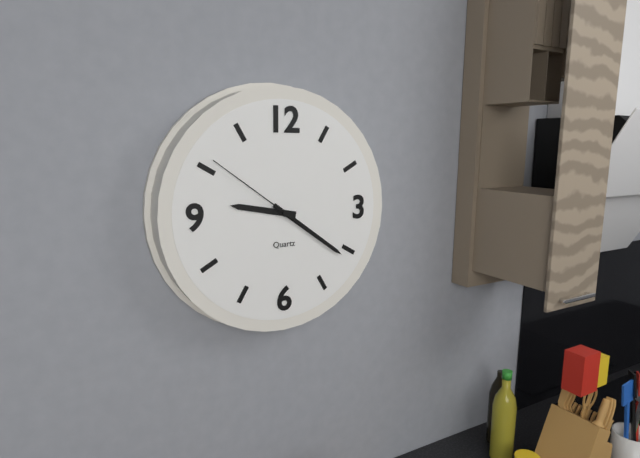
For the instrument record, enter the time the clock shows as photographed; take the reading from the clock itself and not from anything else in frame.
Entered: 9:21:51
